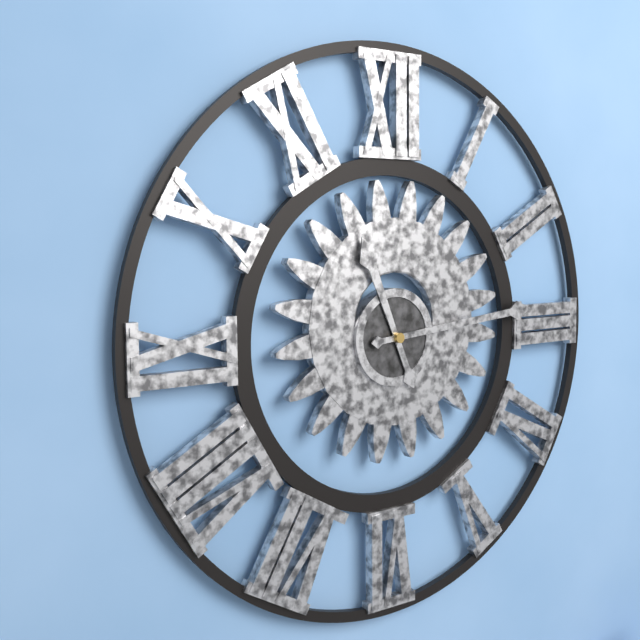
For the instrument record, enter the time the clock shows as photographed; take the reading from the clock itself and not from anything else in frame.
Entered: 11:14
